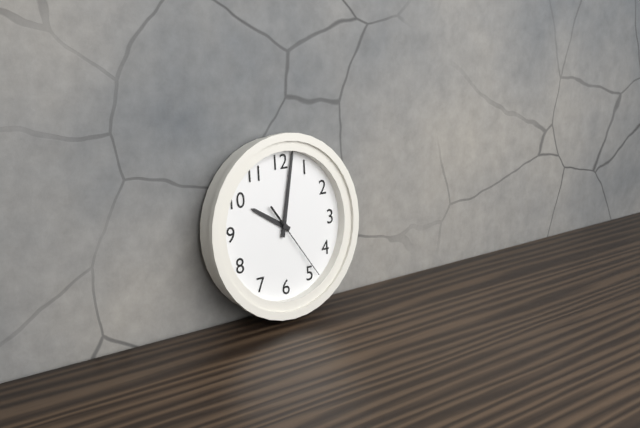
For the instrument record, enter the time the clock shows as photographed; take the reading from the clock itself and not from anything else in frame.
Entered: 10:02:24
